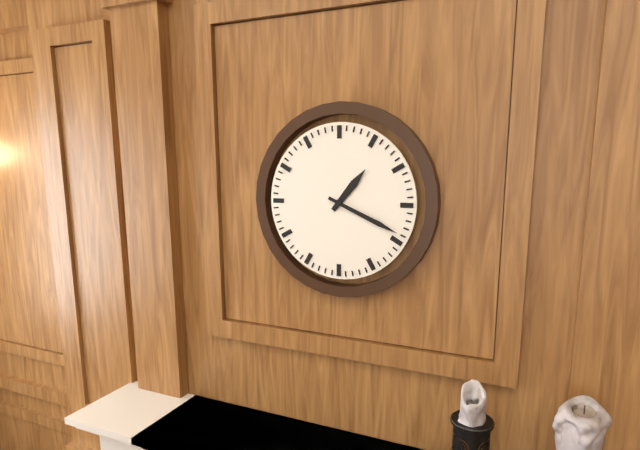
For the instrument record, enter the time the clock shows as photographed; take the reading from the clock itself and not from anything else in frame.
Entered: 1:19
